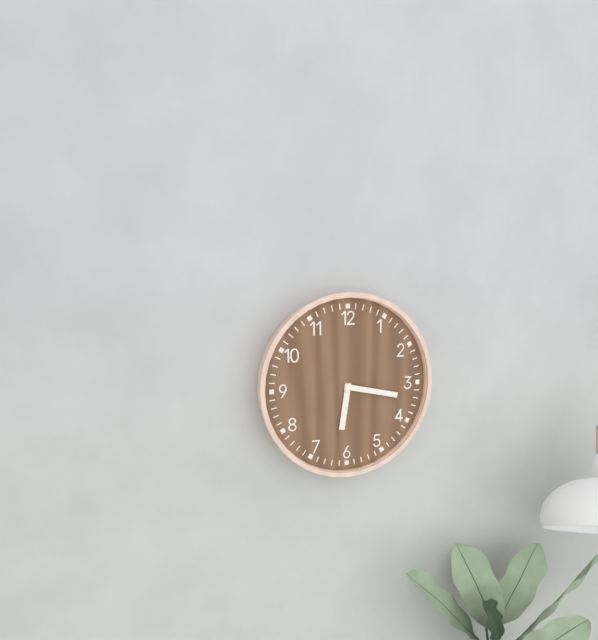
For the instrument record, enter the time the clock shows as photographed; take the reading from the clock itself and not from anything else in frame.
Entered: 6:17
